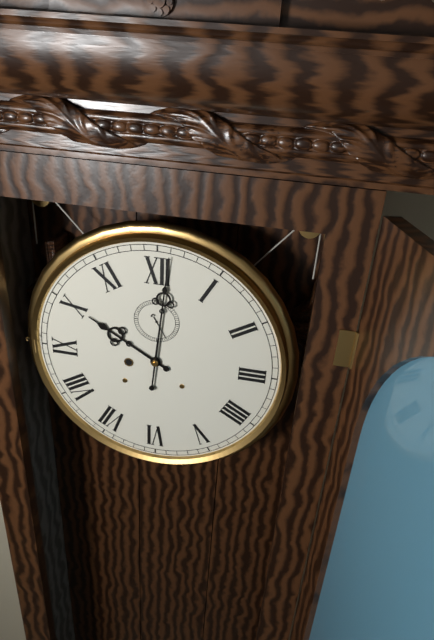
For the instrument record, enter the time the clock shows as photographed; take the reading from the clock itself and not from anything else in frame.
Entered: 10:01
